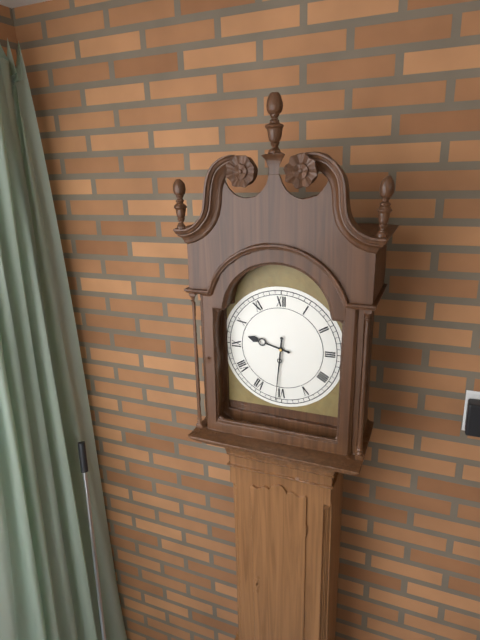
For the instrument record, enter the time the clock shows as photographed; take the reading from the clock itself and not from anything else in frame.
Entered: 9:31
